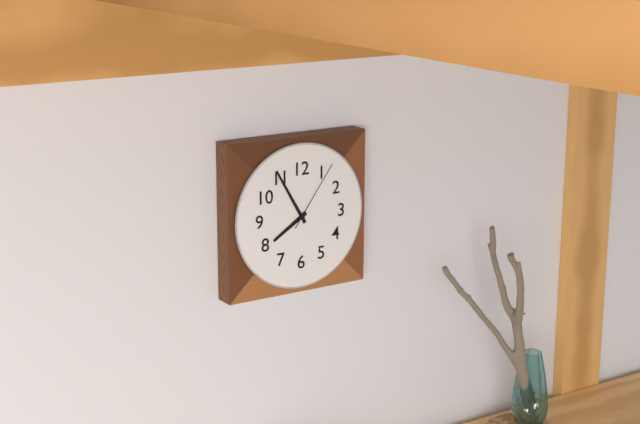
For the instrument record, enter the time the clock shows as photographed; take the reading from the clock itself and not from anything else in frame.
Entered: 7:55:06
